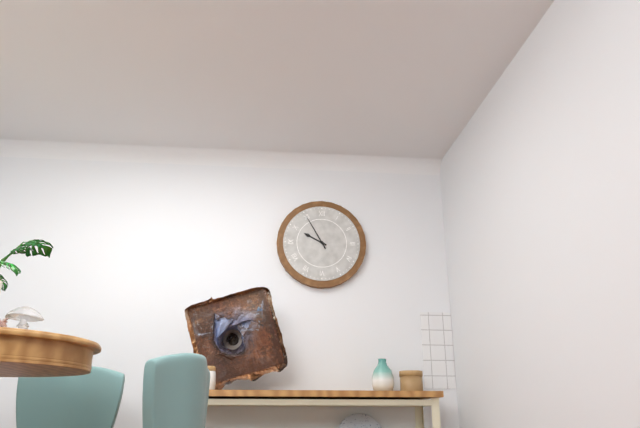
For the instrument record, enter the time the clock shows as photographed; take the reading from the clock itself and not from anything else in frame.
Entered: 9:55
